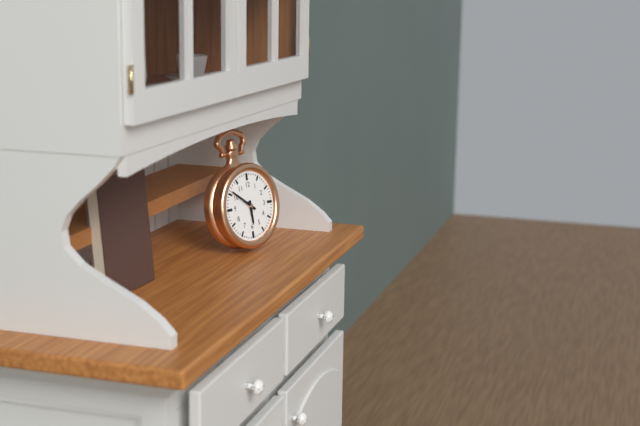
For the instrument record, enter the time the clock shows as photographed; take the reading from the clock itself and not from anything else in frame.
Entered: 5:51
